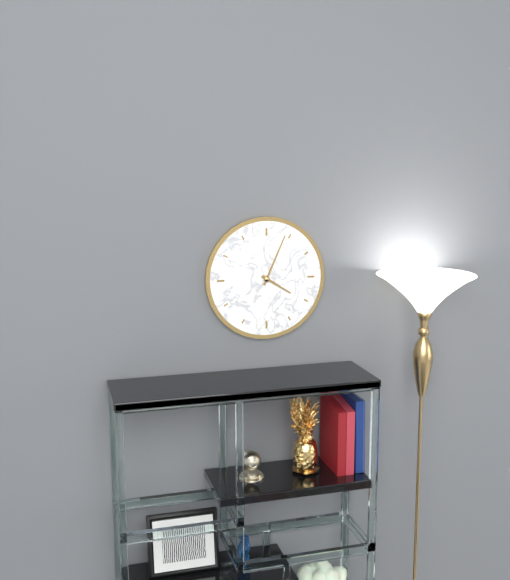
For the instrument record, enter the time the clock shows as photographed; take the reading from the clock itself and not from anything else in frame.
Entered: 4:04
